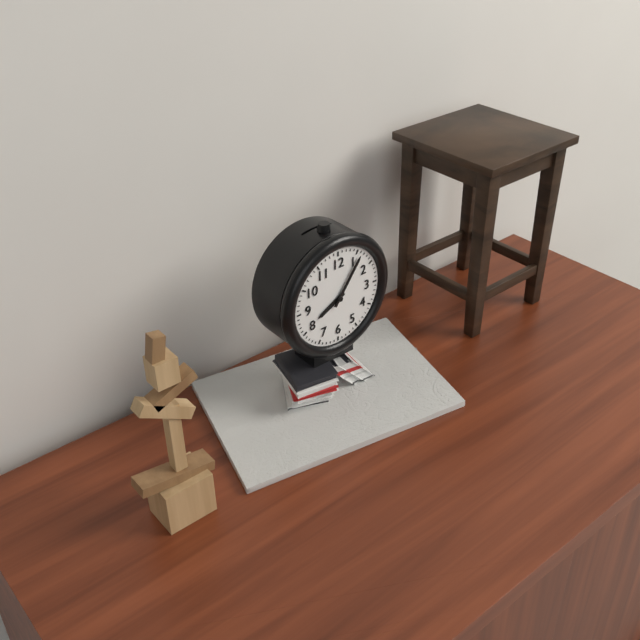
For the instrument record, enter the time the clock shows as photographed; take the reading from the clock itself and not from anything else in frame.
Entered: 8:06
